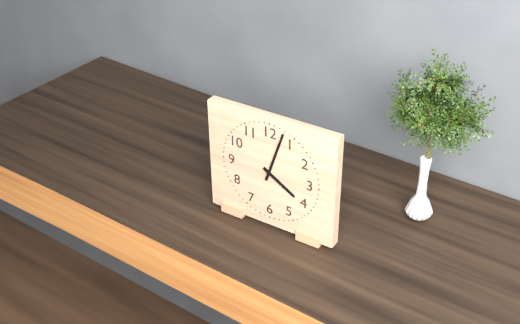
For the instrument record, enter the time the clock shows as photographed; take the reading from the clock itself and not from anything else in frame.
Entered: 4:03
